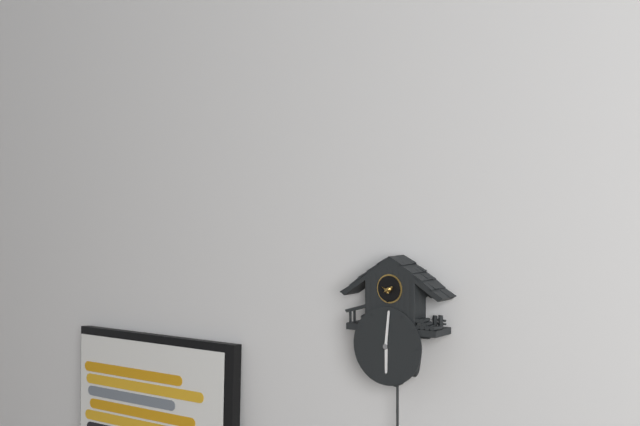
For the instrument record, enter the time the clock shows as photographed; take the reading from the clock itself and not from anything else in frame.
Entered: 6:01
